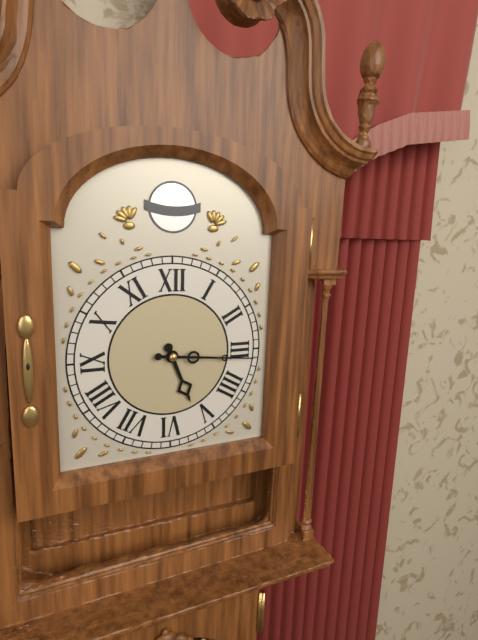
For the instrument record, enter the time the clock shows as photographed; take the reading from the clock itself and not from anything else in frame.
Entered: 5:16
